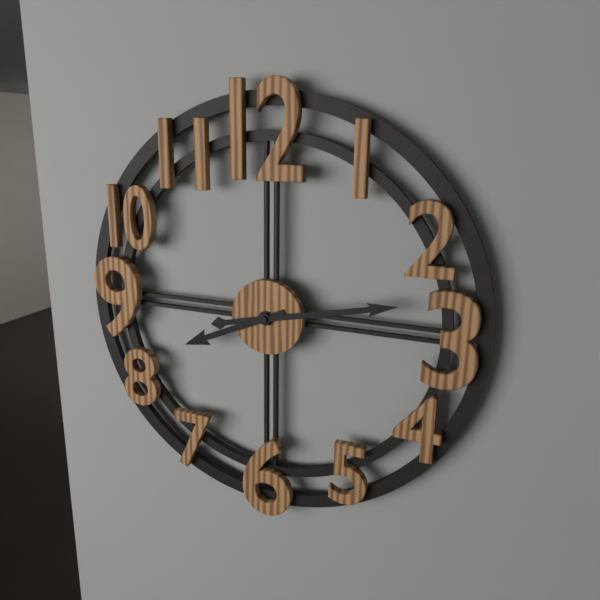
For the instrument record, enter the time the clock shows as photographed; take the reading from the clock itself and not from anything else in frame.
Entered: 8:13
